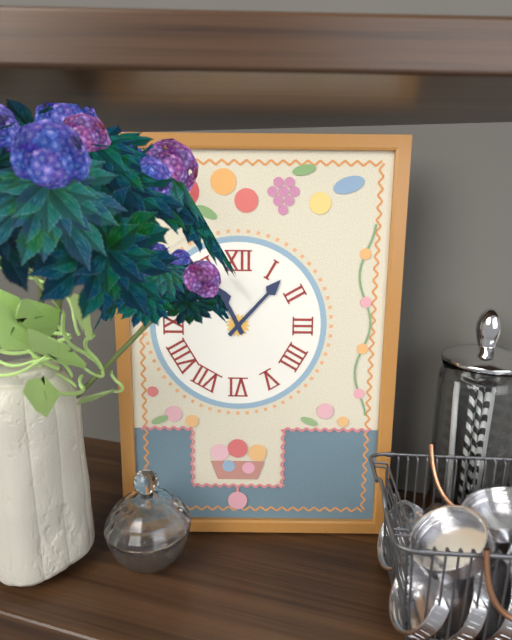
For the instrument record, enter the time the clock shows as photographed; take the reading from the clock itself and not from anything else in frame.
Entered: 11:07
